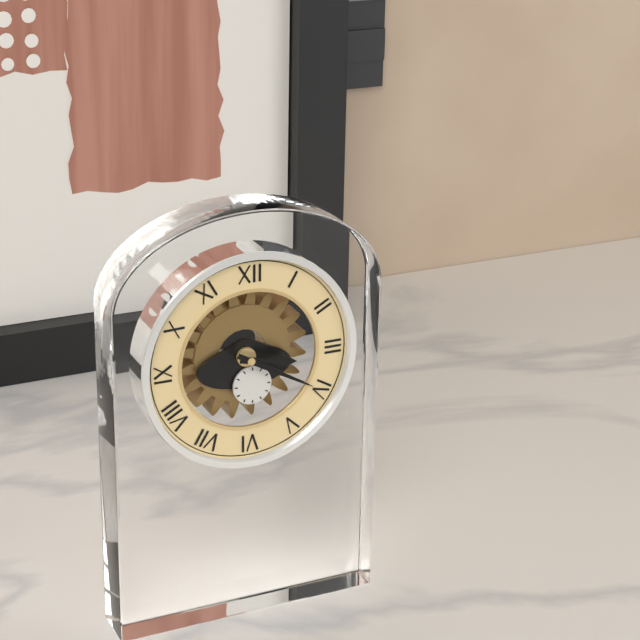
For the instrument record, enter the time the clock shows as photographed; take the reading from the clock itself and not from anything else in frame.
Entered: 3:20
